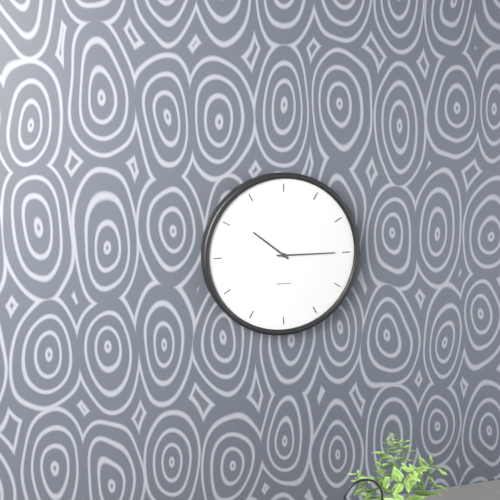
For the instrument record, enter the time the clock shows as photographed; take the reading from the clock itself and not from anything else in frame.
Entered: 10:15
